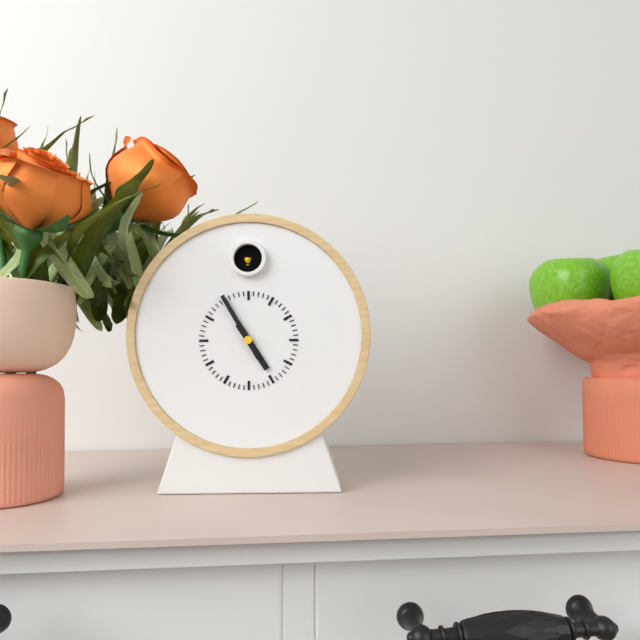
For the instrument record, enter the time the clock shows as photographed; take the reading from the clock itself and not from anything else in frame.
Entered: 4:55
